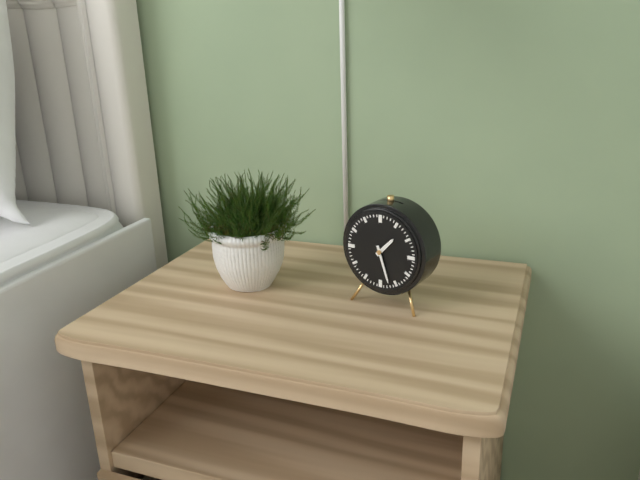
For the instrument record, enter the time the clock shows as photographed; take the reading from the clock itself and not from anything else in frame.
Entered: 1:27
